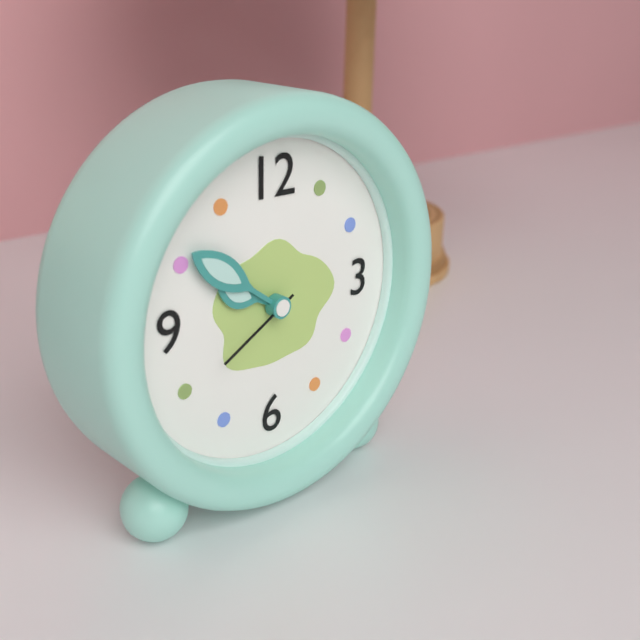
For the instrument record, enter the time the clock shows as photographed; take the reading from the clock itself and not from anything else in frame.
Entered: 9:51:40
